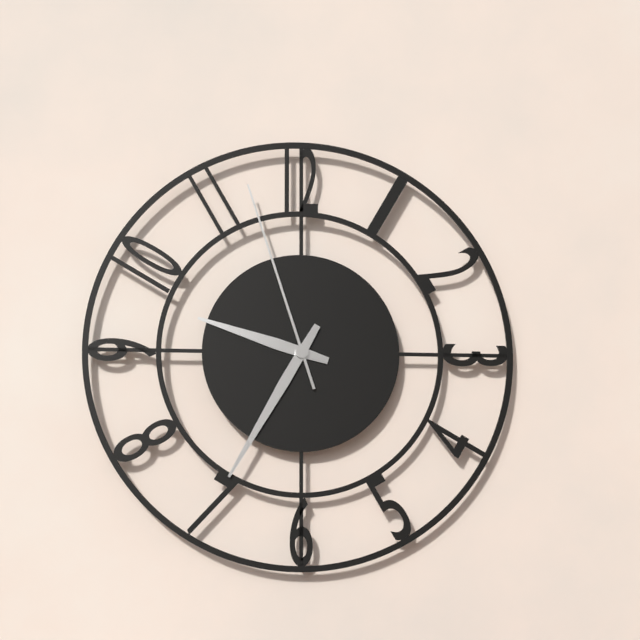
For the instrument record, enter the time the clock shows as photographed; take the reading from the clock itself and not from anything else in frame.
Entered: 9:35:57
